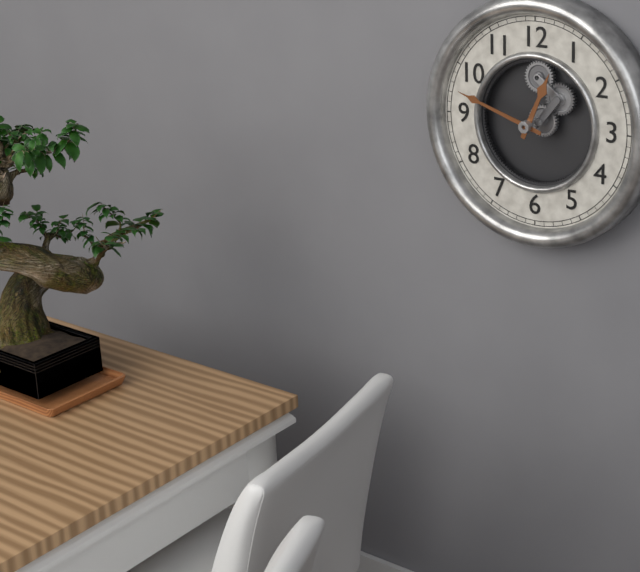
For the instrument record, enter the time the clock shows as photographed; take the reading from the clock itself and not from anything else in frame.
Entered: 12:48
